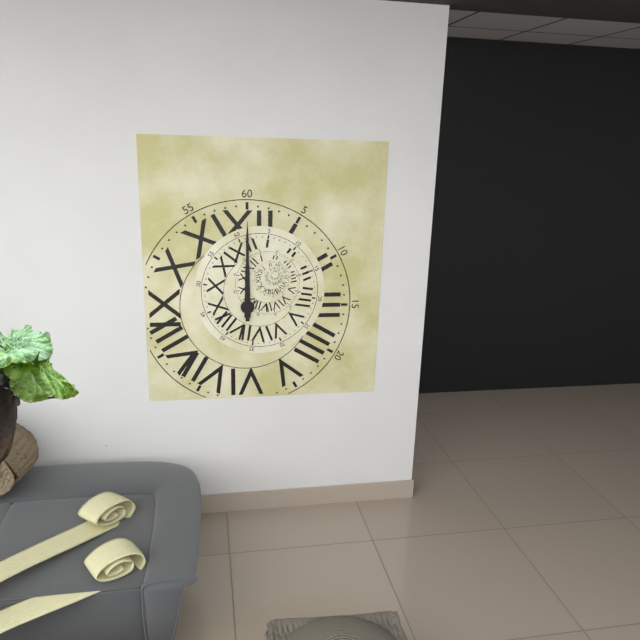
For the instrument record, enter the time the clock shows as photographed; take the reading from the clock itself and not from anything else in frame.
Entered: 12:00
